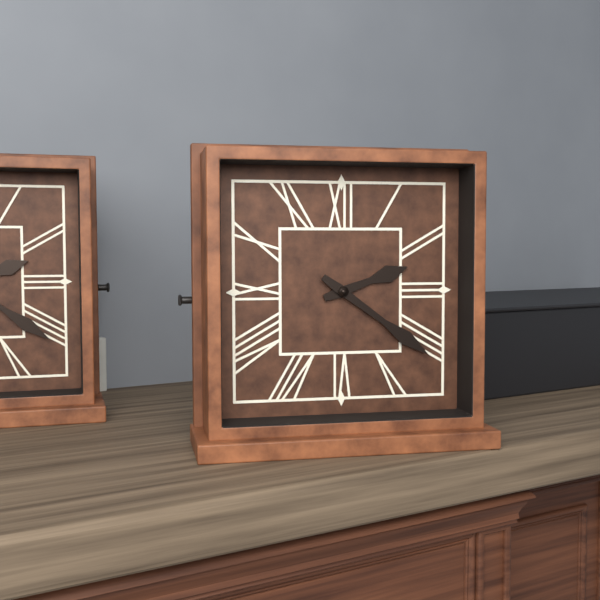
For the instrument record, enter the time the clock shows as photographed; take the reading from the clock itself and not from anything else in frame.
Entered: 2:21
